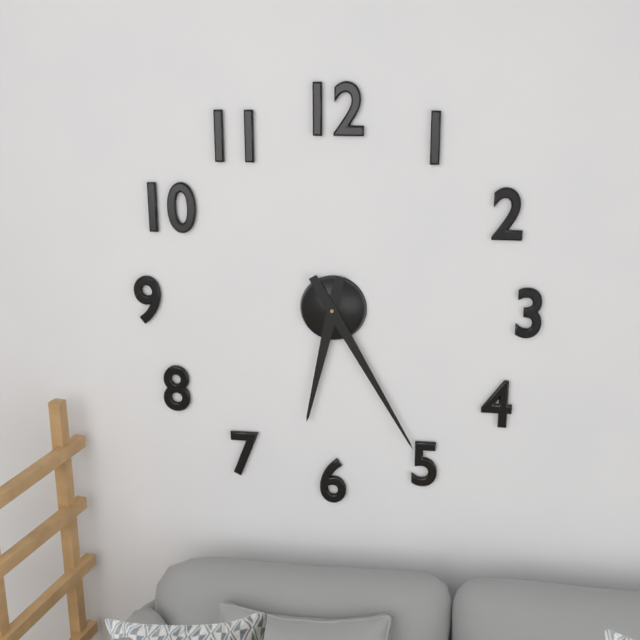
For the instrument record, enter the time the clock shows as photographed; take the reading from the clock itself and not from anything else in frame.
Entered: 6:25
